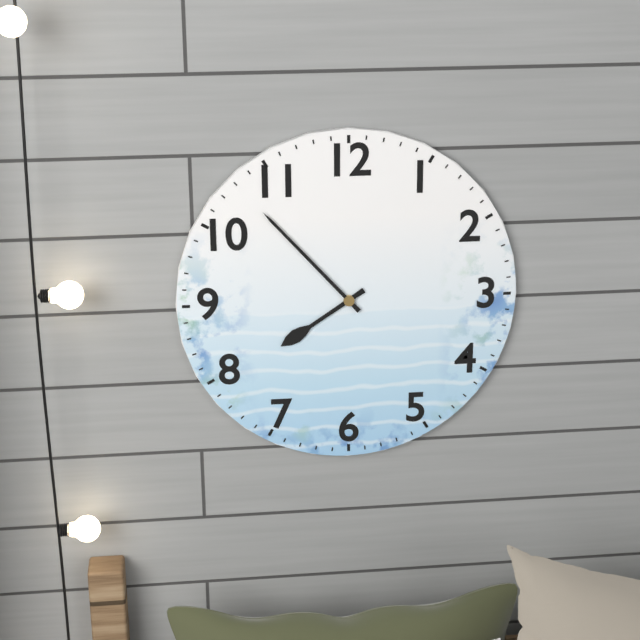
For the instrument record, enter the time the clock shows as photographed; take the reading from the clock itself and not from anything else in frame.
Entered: 7:53
